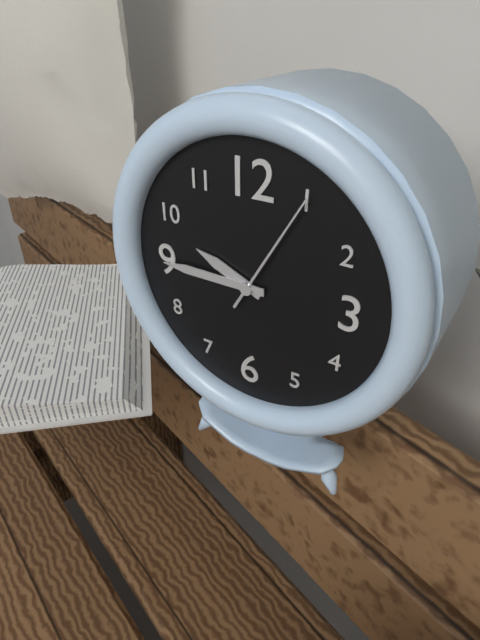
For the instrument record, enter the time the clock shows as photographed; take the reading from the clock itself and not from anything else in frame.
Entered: 9:45:05
